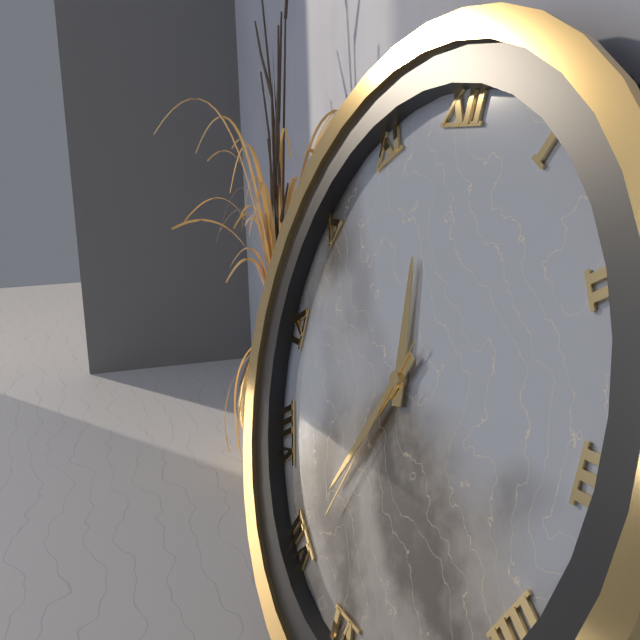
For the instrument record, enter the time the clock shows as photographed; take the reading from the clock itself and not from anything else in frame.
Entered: 11:35:34
